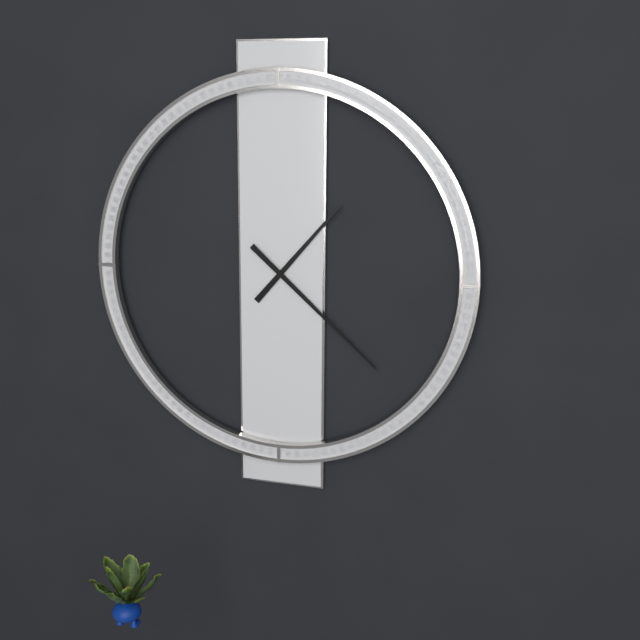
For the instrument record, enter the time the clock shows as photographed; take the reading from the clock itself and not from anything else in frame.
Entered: 1:22
